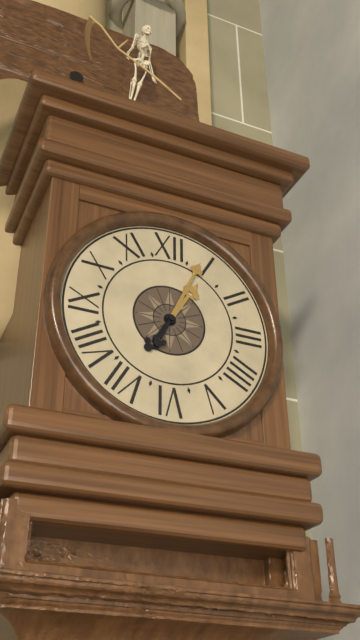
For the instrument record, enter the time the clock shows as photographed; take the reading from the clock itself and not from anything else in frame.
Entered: 1:04
